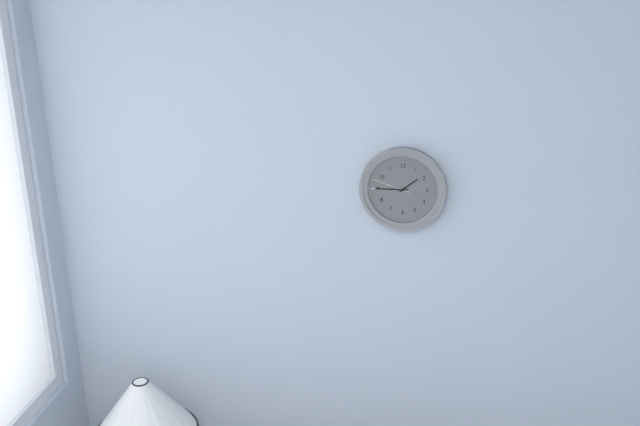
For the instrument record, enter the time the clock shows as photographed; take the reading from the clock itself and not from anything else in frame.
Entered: 1:45
